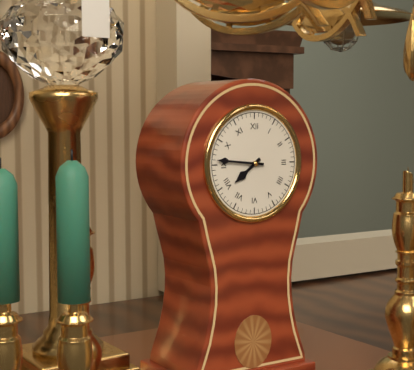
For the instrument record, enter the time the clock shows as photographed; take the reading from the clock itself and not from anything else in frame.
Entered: 7:46
